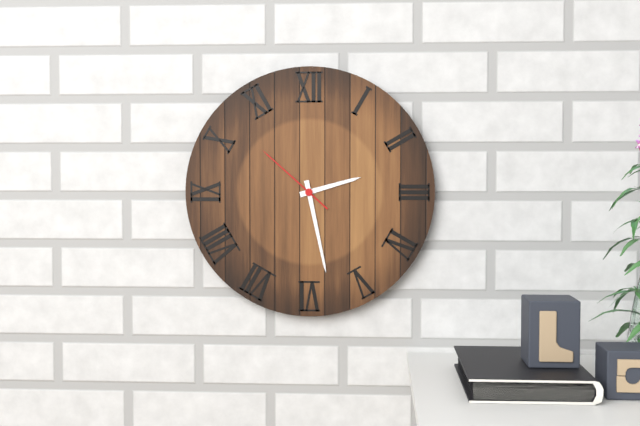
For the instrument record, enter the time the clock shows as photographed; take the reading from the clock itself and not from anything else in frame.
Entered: 2:28:52
